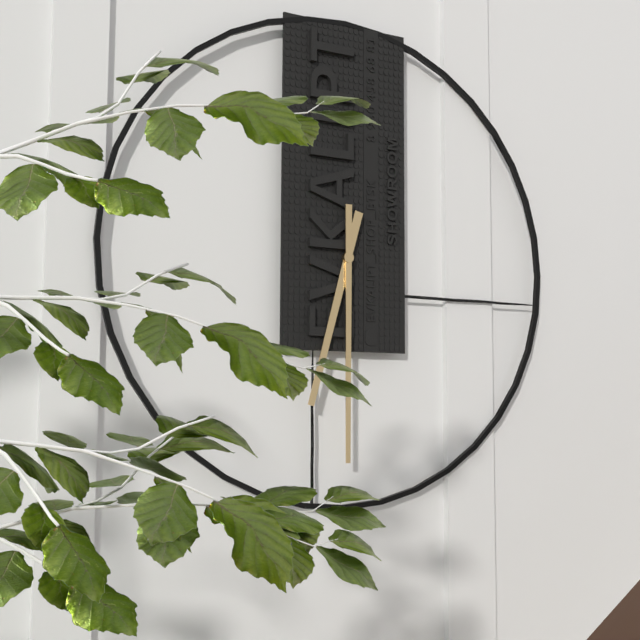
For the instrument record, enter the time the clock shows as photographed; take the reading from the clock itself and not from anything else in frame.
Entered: 6:30
